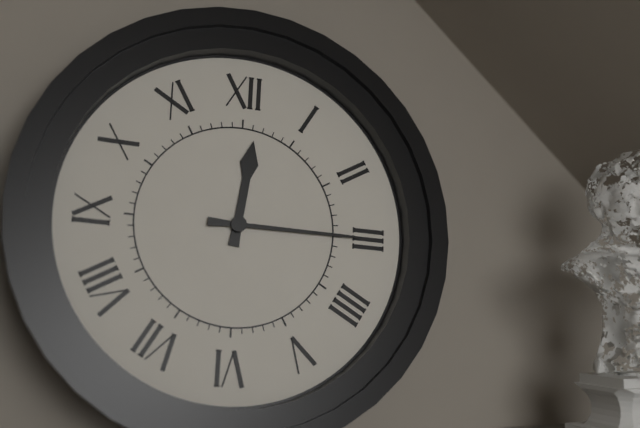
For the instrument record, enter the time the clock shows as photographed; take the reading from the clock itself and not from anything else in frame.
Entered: 12:15
